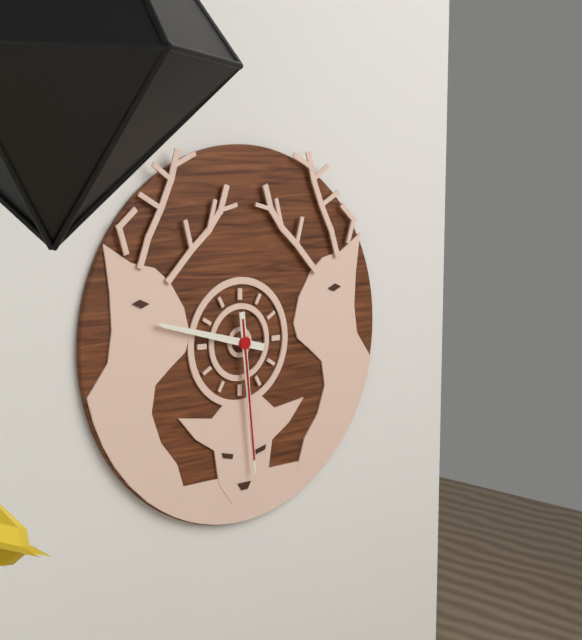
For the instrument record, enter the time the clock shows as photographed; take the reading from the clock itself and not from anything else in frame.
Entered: 9:29:29
